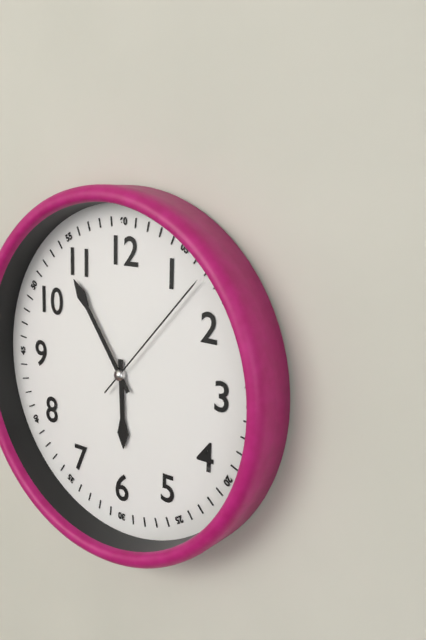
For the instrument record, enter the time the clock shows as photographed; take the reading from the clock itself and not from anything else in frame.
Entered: 5:54:07
